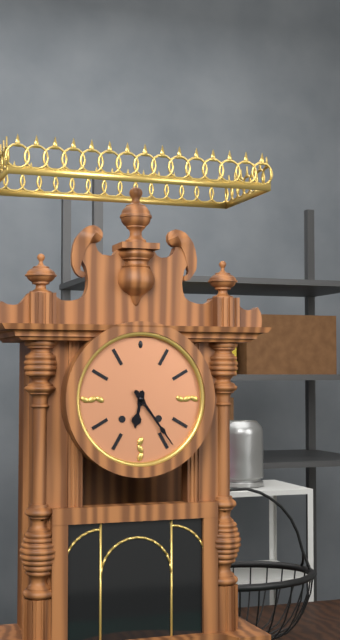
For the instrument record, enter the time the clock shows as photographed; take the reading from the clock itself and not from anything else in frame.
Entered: 6:24
